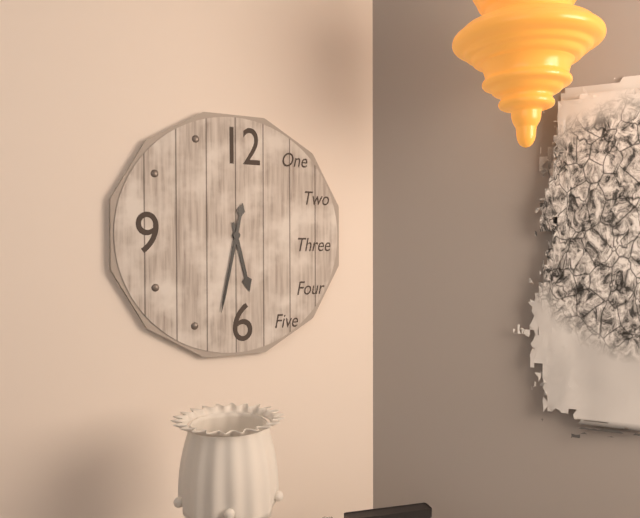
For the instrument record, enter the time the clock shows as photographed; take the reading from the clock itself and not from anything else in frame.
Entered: 5:32
